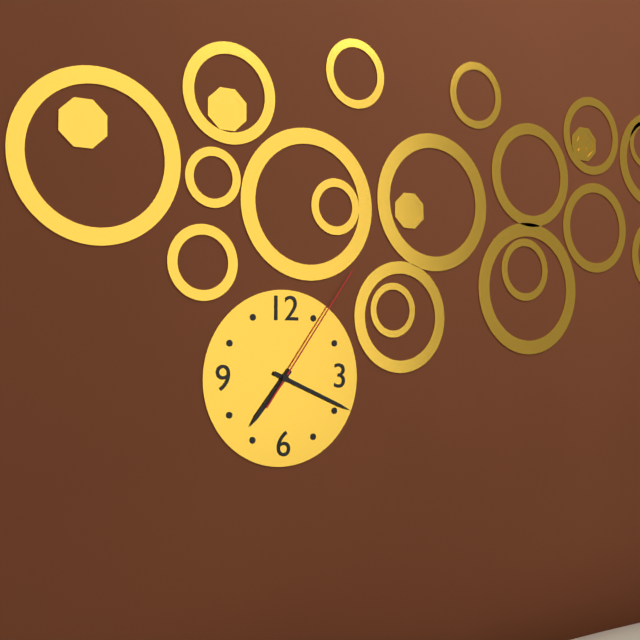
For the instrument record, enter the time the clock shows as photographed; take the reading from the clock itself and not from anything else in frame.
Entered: 7:19:06
